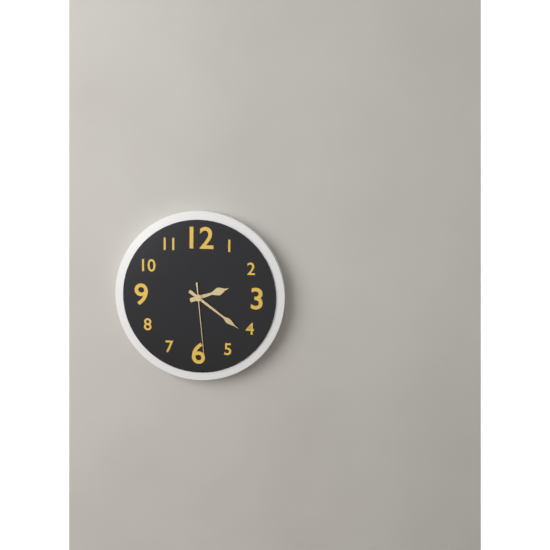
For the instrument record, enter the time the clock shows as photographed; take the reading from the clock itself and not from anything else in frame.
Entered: 2:21:29
